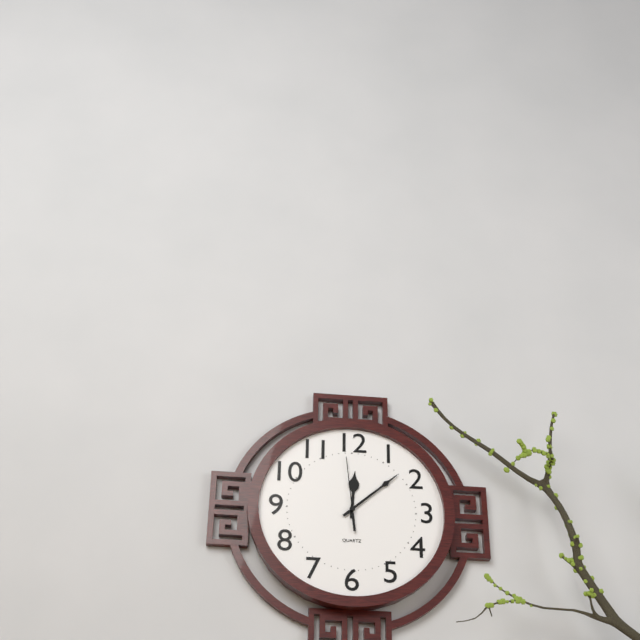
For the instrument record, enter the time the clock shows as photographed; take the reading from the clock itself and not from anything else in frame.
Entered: 12:08:59
